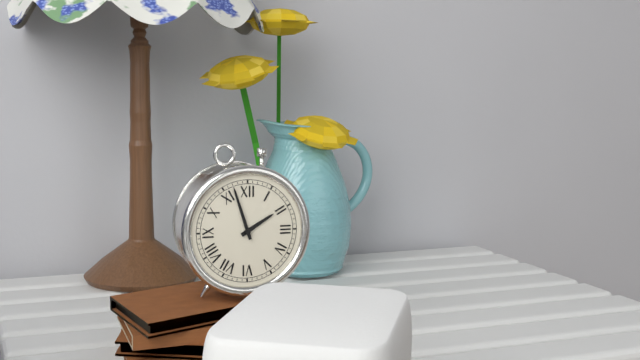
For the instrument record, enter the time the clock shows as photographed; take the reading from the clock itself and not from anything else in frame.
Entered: 1:57
